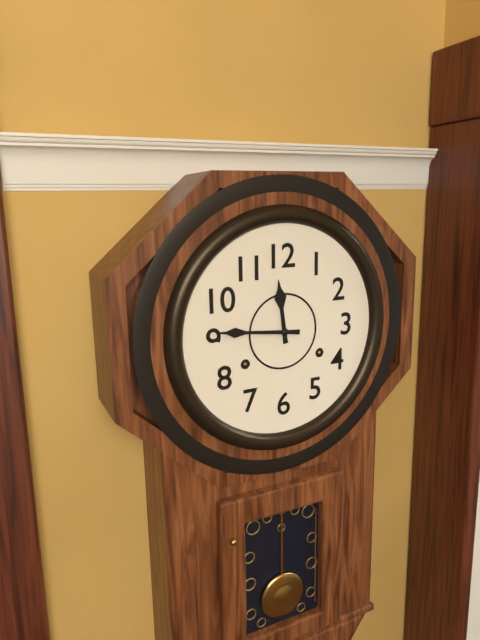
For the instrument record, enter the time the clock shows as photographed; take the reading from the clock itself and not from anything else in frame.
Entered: 11:46
